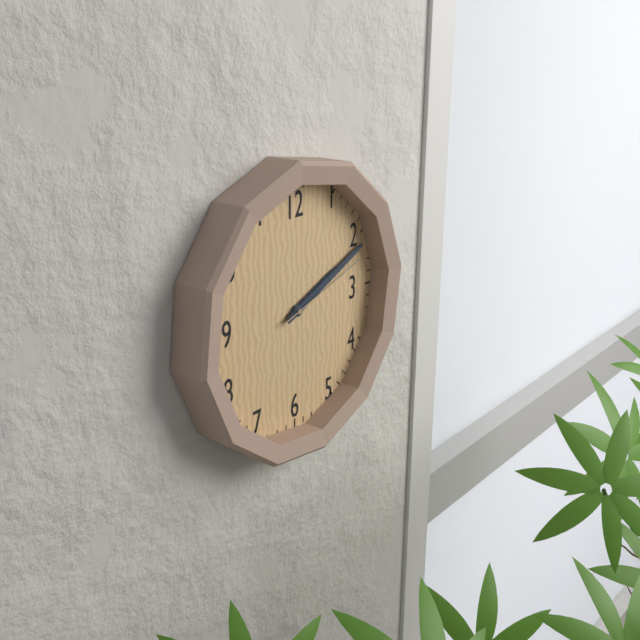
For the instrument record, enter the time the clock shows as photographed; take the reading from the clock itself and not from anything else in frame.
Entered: 2:11:12
